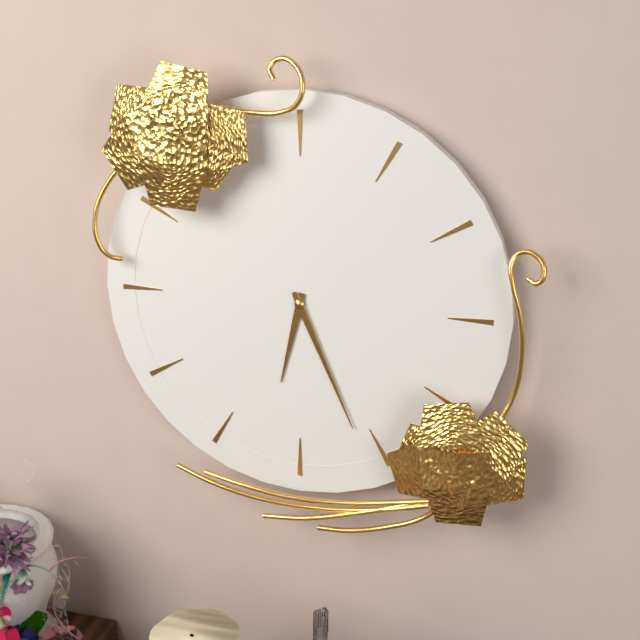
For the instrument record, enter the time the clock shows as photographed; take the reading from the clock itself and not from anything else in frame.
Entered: 6:26
